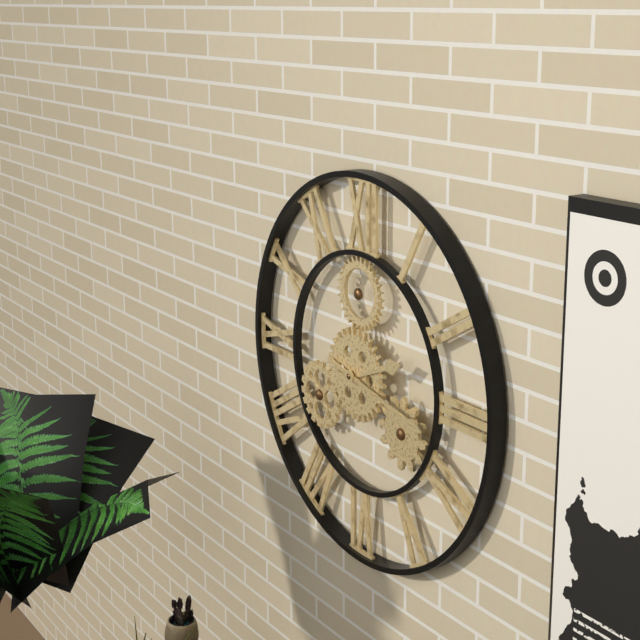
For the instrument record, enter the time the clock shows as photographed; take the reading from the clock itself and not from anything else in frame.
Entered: 2:17
